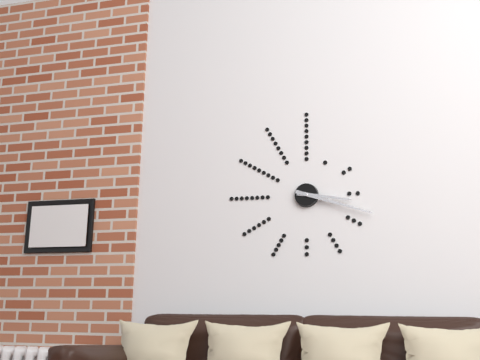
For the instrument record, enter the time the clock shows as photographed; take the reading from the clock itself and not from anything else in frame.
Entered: 3:18
